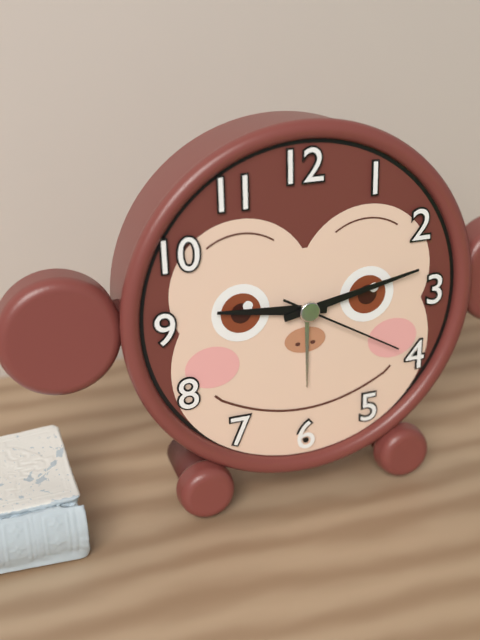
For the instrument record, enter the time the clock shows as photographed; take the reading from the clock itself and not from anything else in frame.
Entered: 9:13:20
